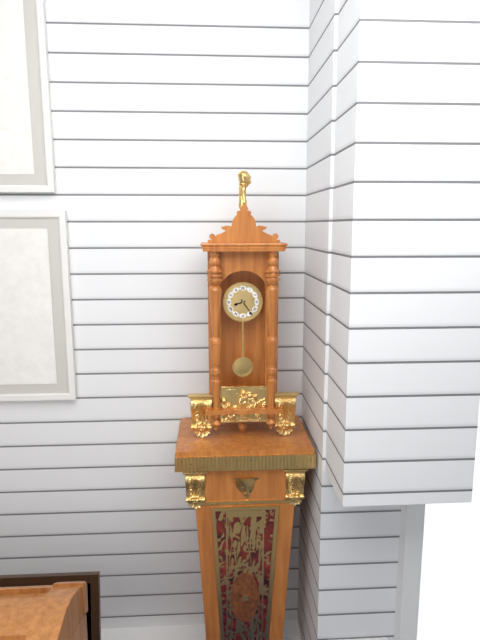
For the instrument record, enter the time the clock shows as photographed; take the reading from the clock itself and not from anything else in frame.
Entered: 8:24
